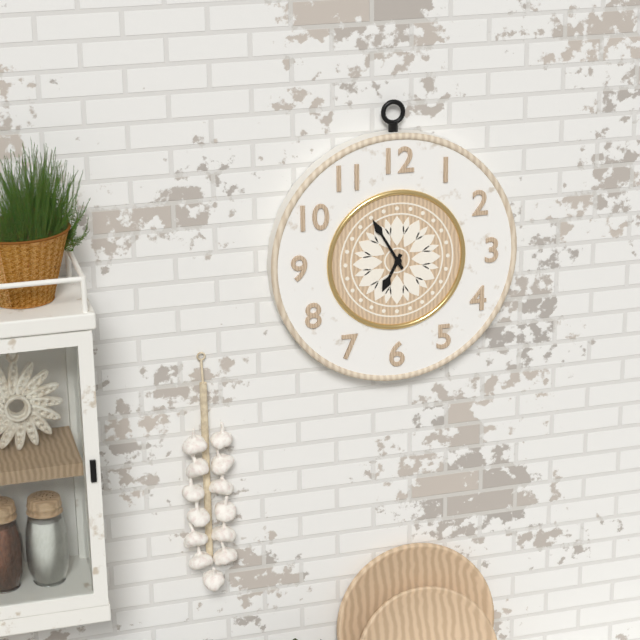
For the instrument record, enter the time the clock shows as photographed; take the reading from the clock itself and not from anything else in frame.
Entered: 6:55
